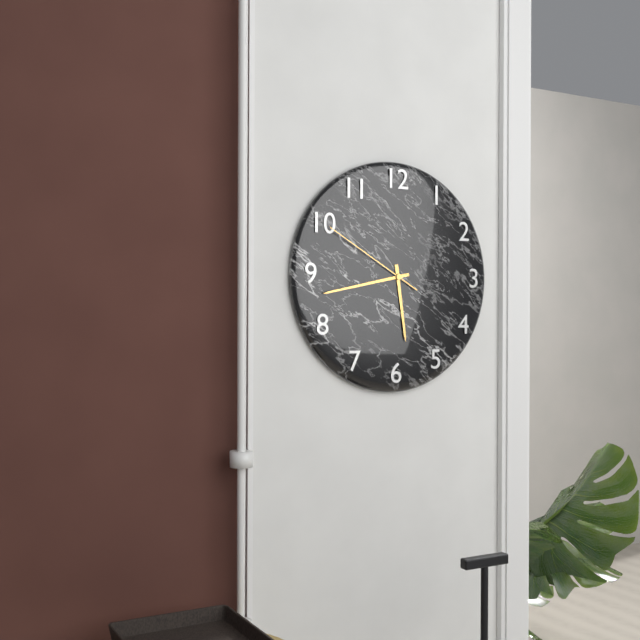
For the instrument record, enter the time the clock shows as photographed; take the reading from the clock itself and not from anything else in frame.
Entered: 5:43:50
